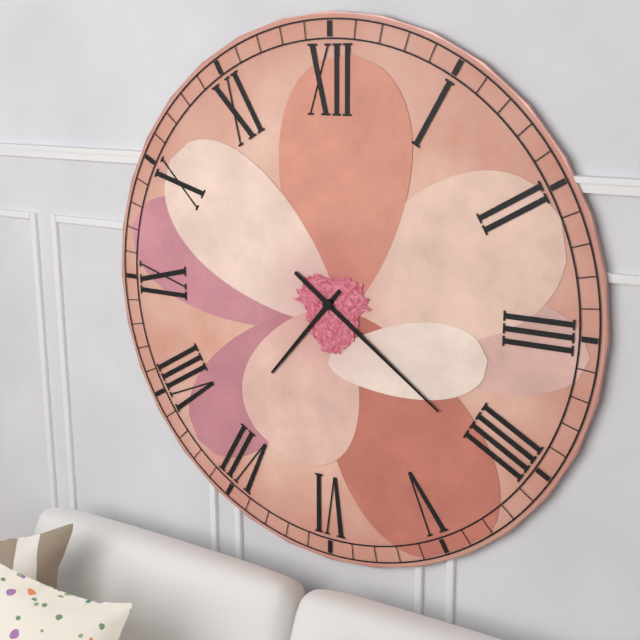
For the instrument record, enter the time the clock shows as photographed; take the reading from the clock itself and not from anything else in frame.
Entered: 7:21
